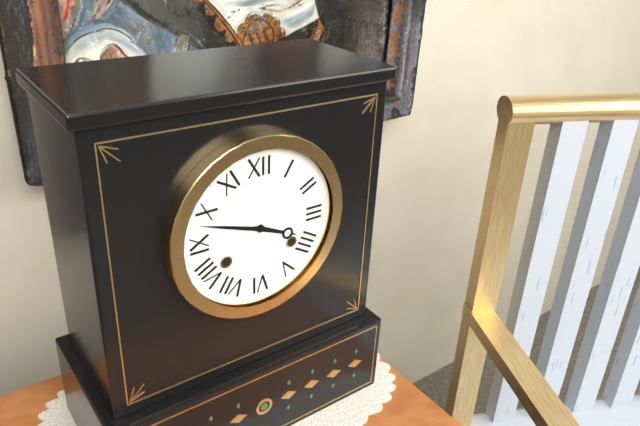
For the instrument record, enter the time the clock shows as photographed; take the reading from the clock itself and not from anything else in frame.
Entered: 3:48
